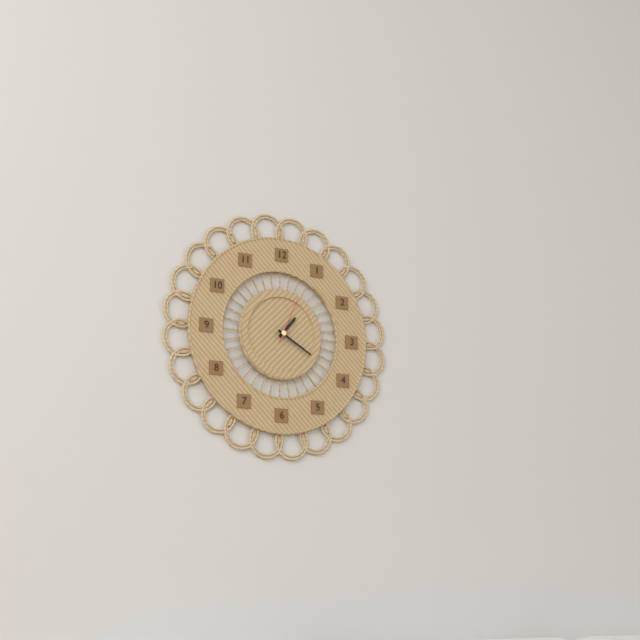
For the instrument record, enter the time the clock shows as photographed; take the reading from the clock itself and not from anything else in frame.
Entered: 1:20
